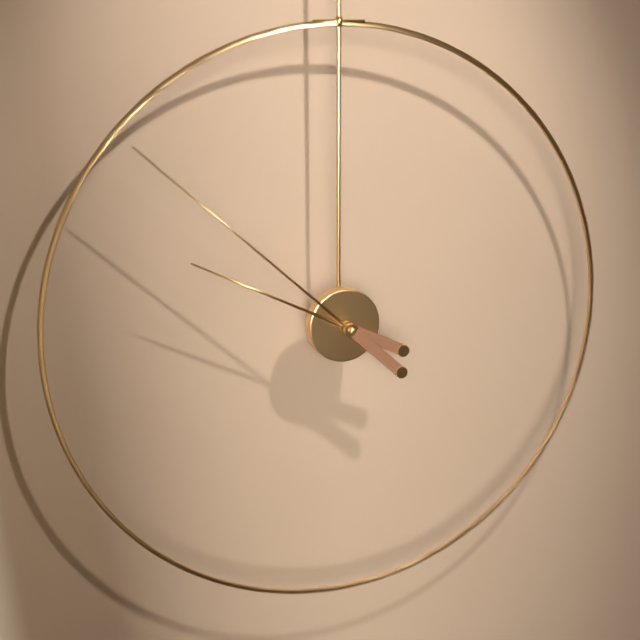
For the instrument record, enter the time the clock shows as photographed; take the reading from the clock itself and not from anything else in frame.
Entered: 9:52
